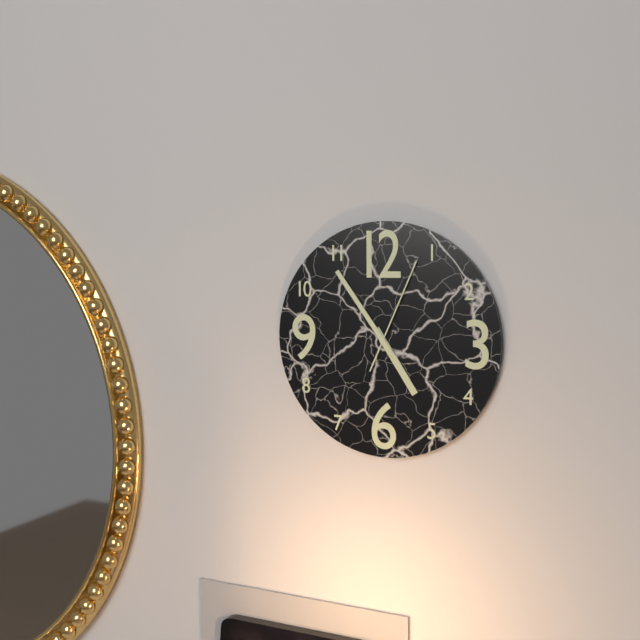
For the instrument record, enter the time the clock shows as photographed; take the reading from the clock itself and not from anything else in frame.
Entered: 4:54:04
